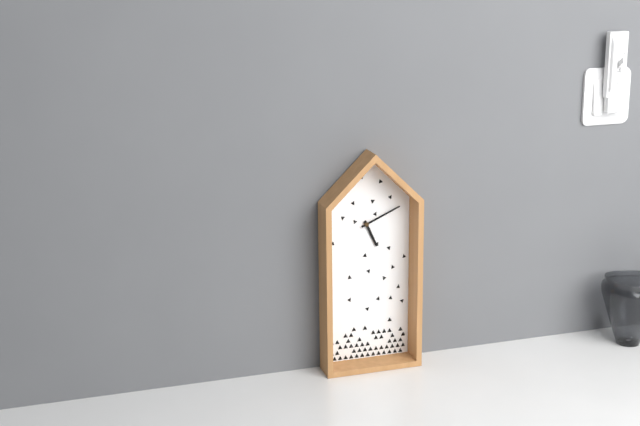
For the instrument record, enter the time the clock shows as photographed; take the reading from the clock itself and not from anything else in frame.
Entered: 5:11
